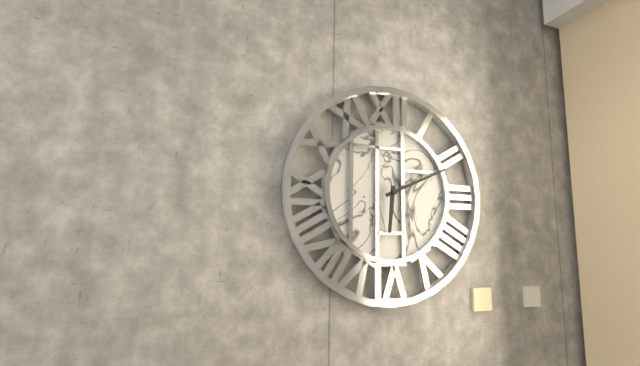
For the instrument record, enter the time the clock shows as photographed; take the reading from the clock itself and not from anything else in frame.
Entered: 6:11
